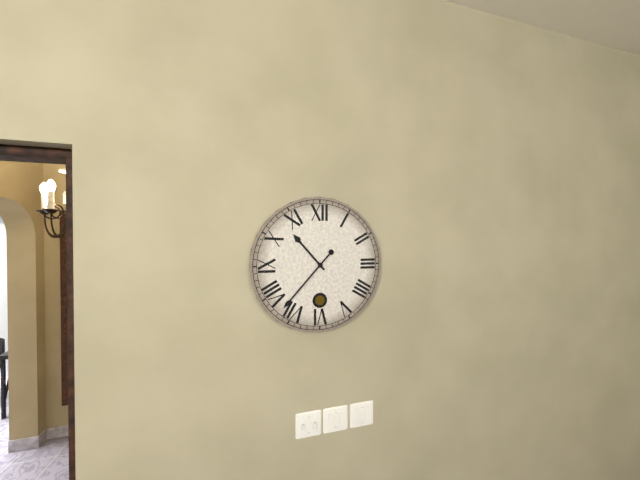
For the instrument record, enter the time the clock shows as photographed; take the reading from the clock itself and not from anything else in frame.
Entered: 10:37
